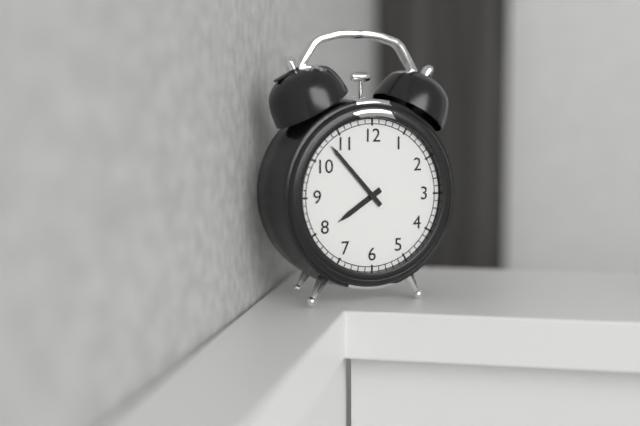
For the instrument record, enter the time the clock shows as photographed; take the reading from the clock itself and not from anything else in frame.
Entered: 7:53
